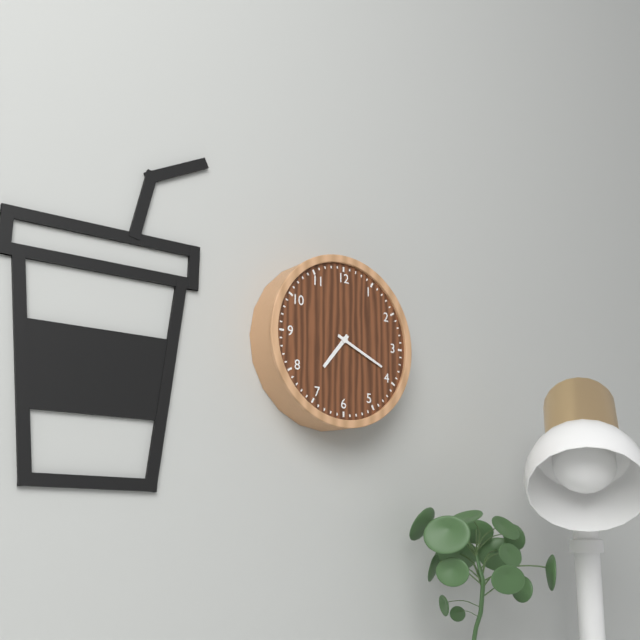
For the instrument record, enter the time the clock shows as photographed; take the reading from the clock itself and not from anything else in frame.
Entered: 7:19
